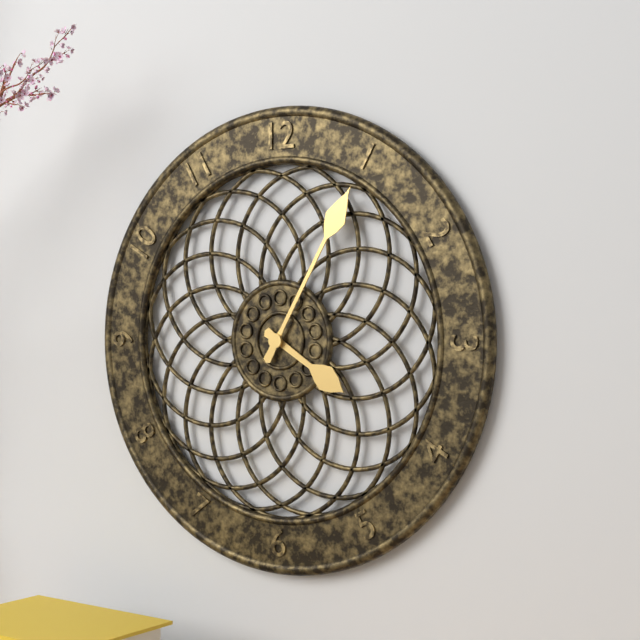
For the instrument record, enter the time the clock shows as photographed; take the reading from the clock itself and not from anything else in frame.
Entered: 4:05
